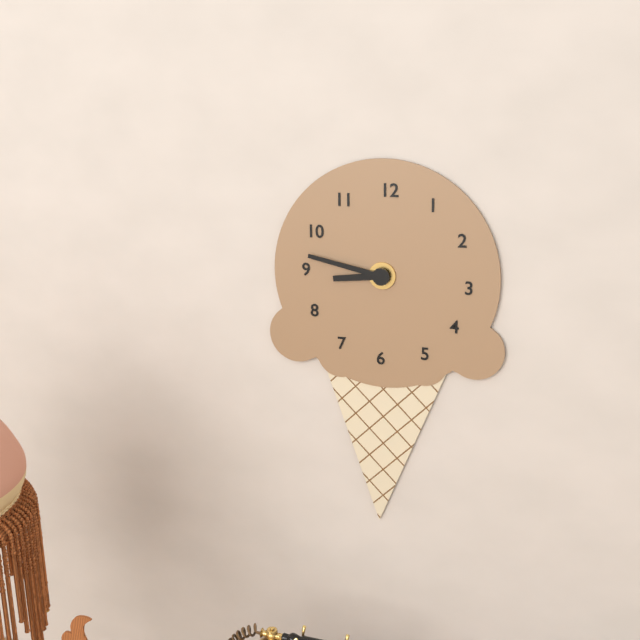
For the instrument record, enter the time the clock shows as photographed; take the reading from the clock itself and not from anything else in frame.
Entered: 8:47
